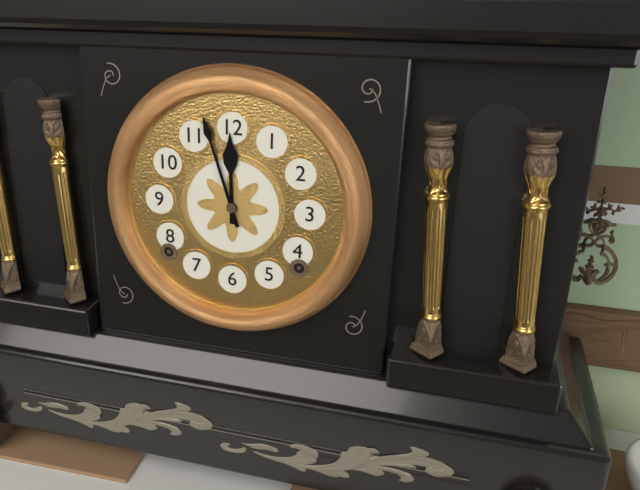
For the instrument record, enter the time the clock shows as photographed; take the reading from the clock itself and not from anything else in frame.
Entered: 11:57
